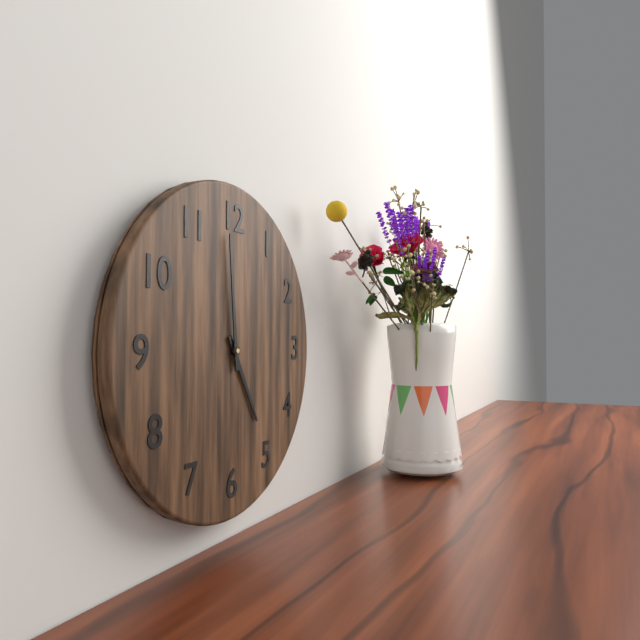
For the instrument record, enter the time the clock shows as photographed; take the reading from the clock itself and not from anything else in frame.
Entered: 4:59
